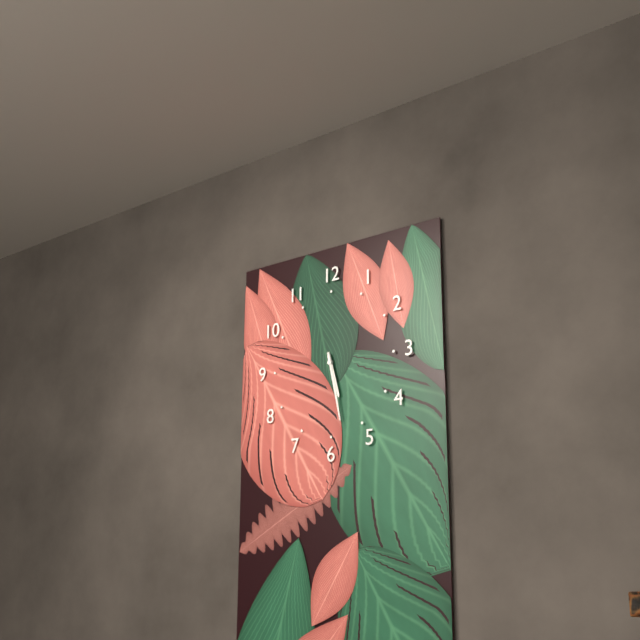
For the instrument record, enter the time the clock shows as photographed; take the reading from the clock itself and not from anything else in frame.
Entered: 5:28
